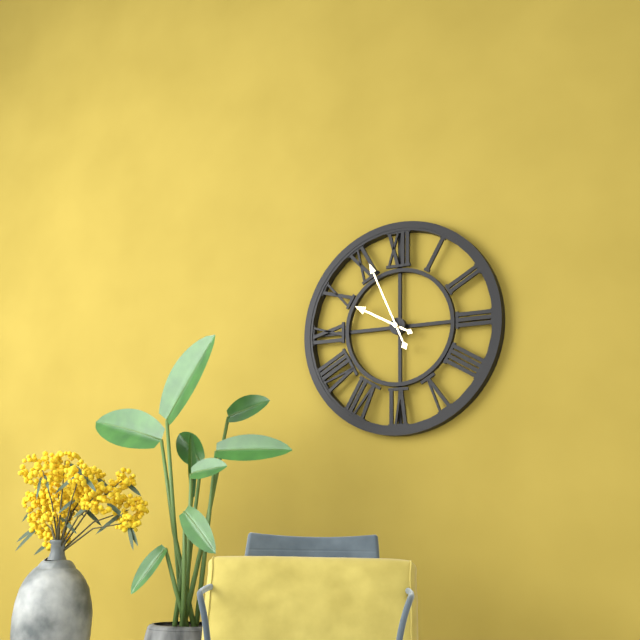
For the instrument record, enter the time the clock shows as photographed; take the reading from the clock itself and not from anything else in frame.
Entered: 9:56
